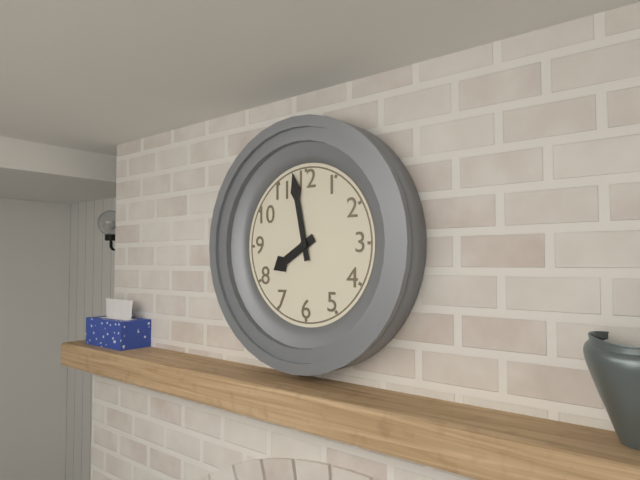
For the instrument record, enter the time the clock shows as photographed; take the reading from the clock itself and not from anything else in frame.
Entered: 7:58
